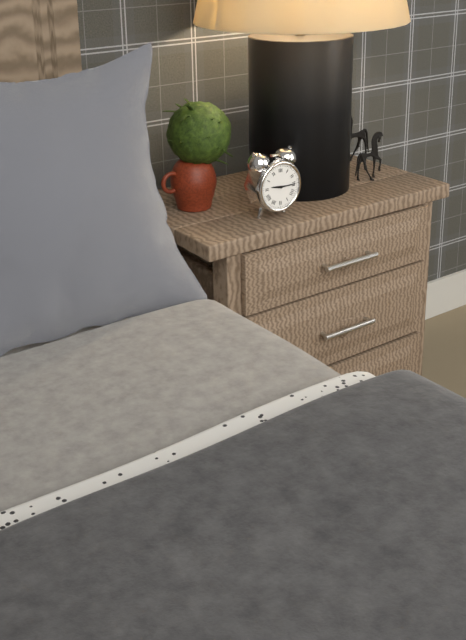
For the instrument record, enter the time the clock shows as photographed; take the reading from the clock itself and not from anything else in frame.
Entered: 9:15
